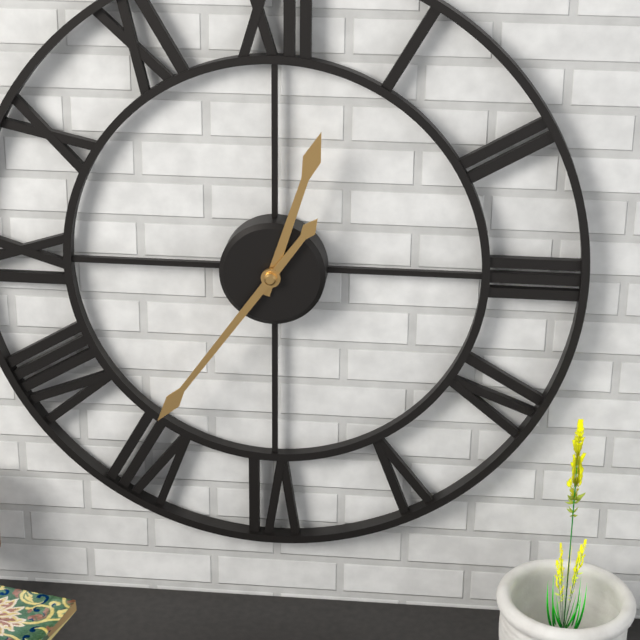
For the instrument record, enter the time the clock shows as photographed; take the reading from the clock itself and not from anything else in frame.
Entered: 12:36
